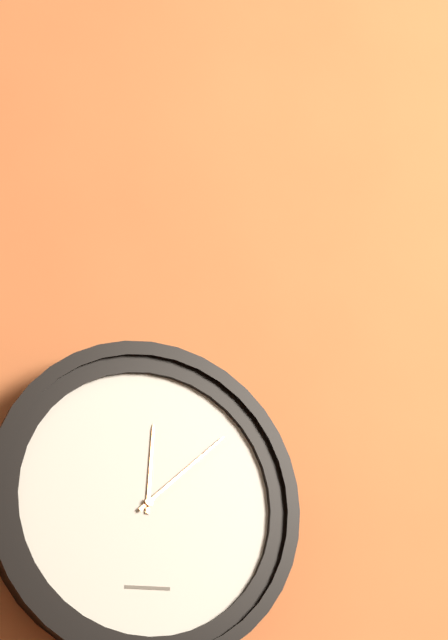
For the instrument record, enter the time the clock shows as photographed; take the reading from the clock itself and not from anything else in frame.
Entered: 12:08
